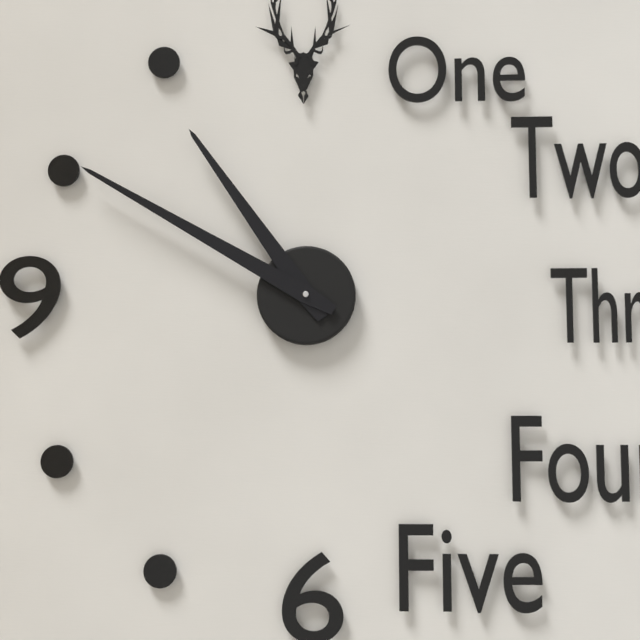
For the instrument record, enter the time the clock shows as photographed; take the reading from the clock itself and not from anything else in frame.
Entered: 10:50
